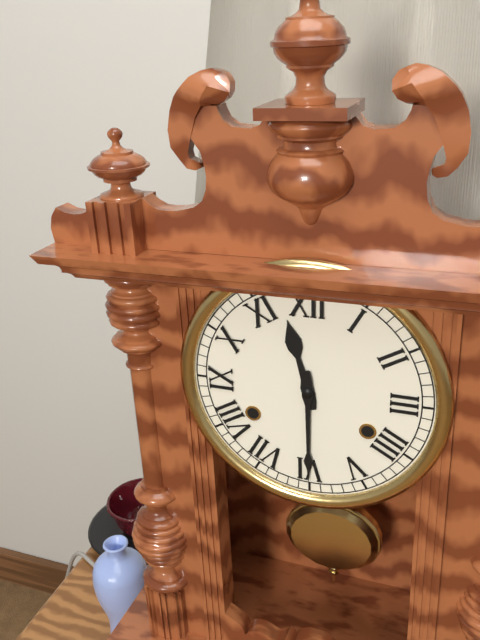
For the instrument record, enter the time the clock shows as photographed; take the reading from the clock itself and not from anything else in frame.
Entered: 11:30
